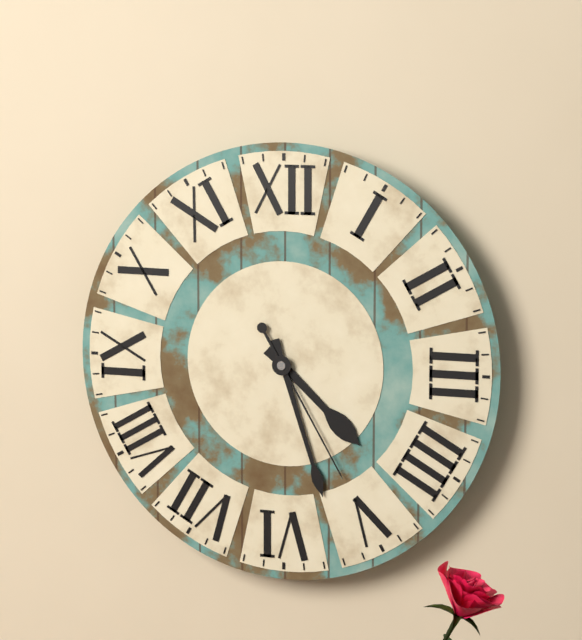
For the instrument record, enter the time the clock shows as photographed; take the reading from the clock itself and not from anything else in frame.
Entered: 4:27:25
